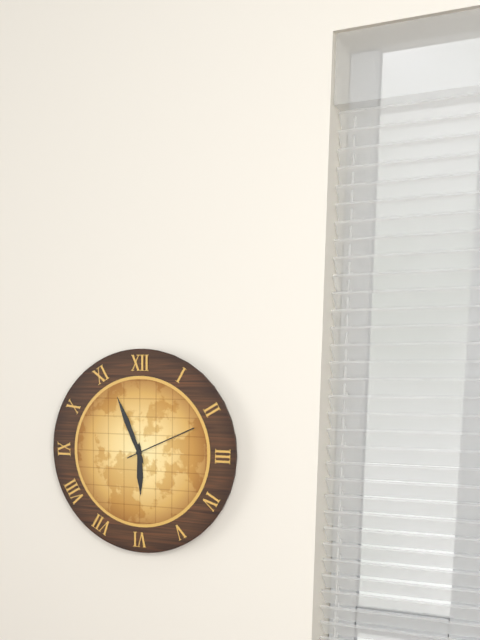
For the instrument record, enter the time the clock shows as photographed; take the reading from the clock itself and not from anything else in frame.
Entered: 5:56:11
